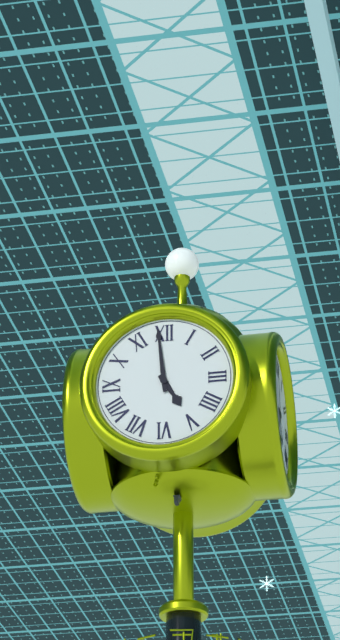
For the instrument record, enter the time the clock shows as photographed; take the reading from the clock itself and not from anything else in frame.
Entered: 4:59
